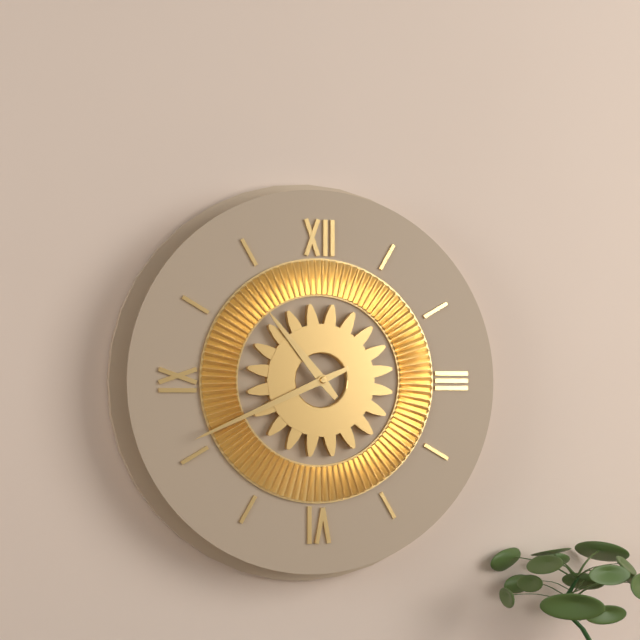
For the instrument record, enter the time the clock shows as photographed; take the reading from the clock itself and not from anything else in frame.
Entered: 10:41
